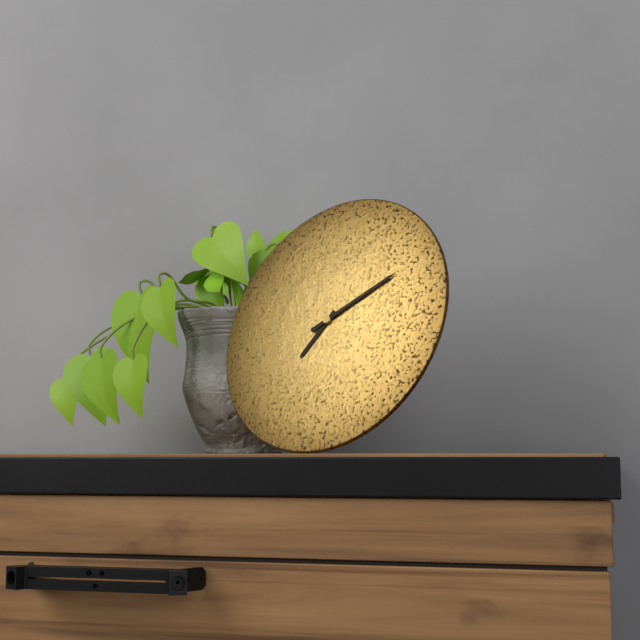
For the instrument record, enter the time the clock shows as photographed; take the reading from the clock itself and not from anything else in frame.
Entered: 7:10
